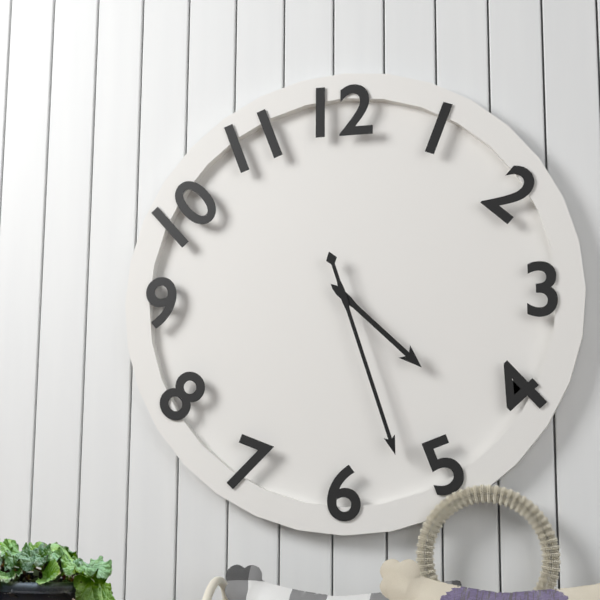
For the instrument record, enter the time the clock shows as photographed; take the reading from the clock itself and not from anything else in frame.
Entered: 4:27
